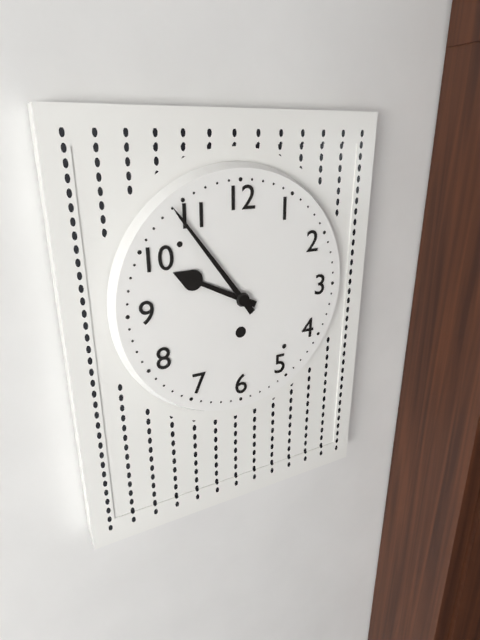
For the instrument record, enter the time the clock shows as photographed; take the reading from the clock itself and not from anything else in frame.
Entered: 9:54
